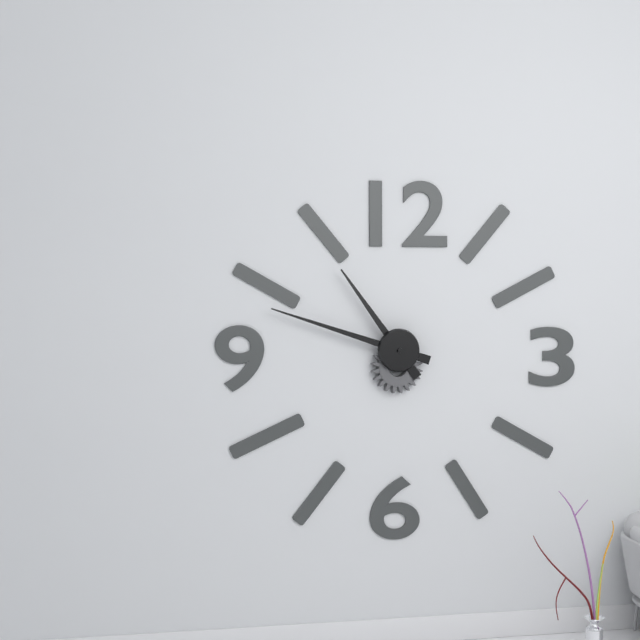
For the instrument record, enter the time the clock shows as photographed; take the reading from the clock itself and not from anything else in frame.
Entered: 10:48
